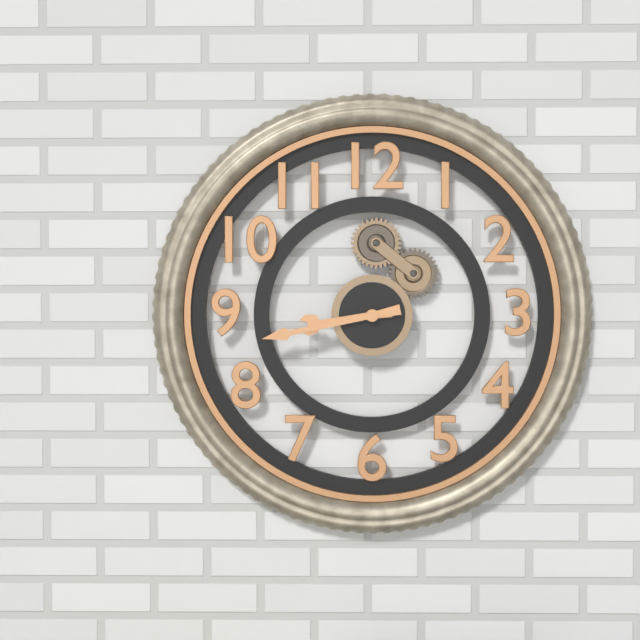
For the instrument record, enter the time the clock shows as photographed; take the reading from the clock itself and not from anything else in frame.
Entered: 8:43
